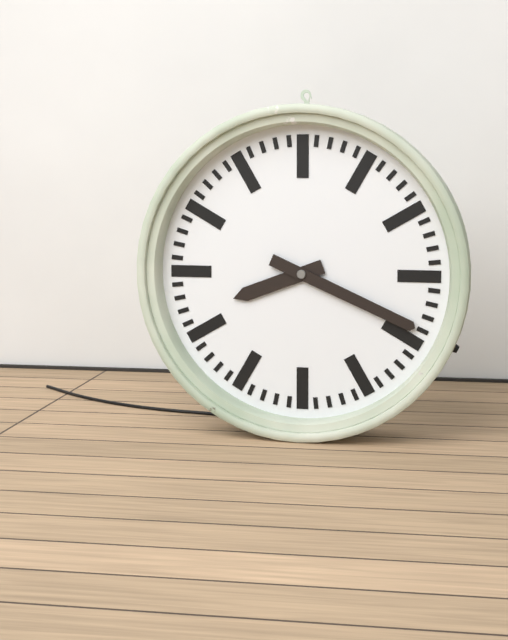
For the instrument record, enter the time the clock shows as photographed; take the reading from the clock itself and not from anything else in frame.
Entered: 8:19
